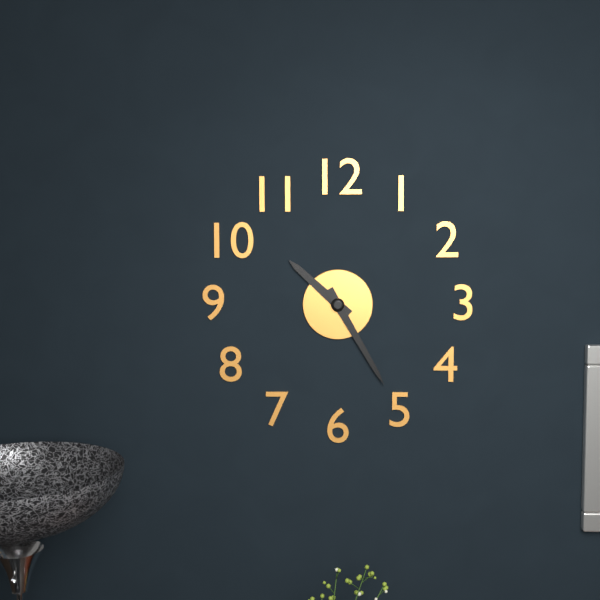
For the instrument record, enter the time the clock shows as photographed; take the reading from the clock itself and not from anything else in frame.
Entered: 10:25
